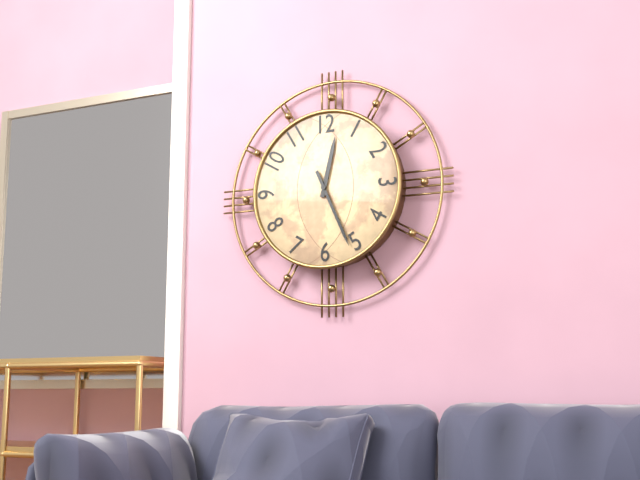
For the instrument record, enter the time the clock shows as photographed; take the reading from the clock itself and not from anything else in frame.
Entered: 12:26
